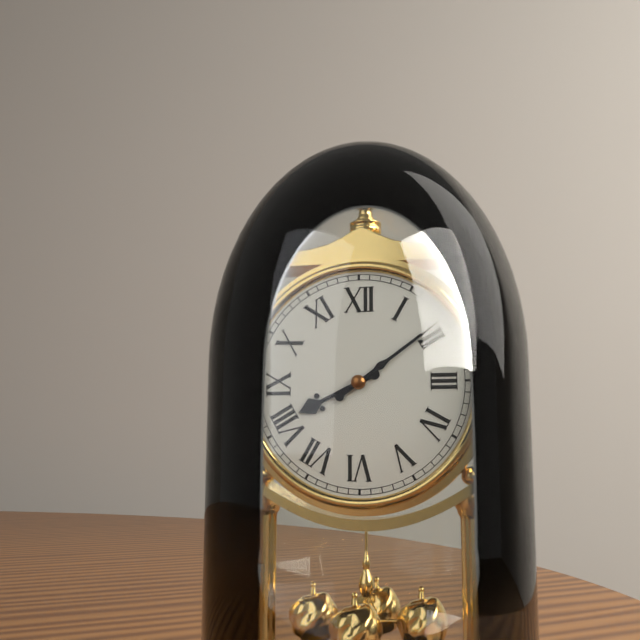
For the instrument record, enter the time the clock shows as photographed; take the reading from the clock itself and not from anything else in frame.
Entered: 8:09
